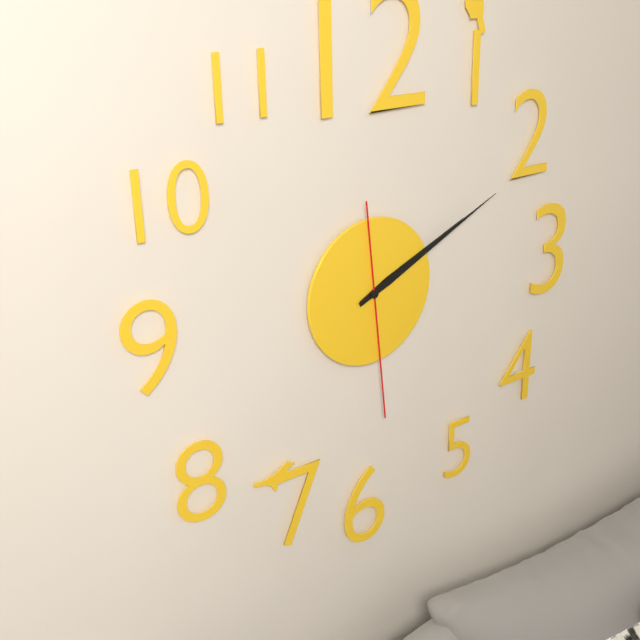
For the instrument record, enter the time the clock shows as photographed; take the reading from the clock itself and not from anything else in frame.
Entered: 2:11:29
